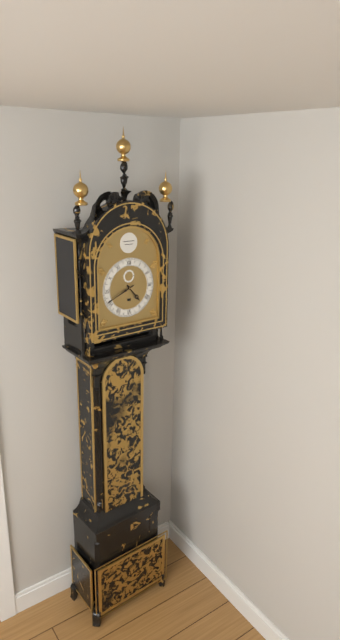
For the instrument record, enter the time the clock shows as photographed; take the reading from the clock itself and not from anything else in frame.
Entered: 4:41
